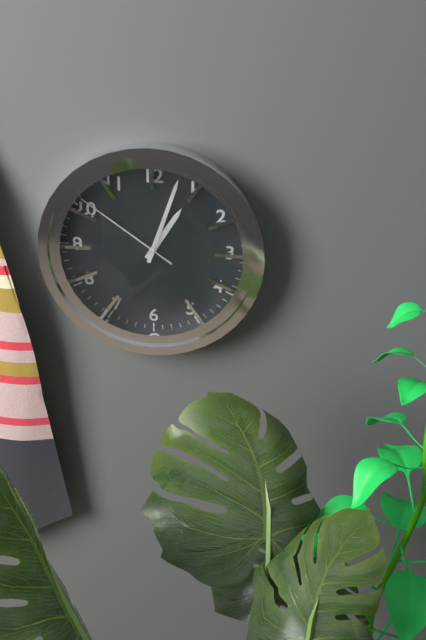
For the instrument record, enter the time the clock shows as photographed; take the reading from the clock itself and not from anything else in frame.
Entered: 1:03:51
